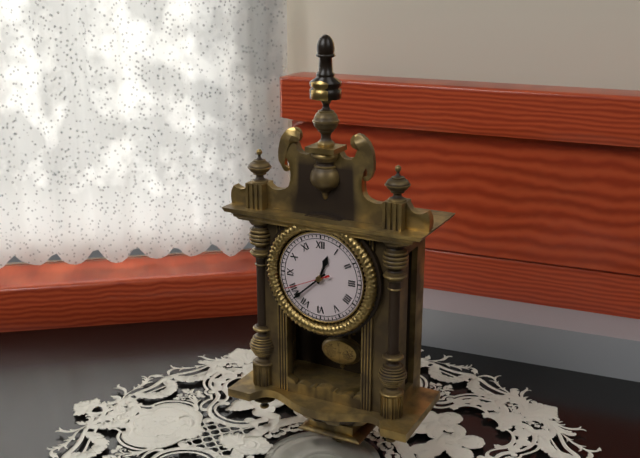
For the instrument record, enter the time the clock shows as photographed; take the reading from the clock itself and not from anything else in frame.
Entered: 12:38
